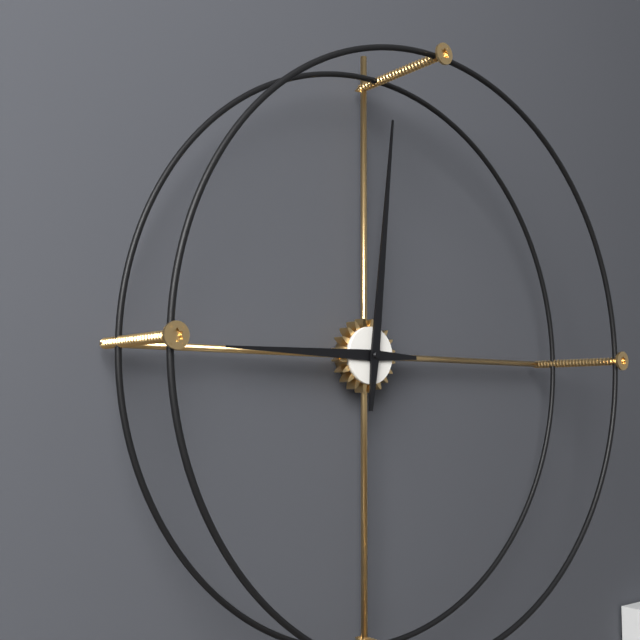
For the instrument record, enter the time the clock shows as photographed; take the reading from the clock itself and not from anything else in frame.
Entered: 9:01
